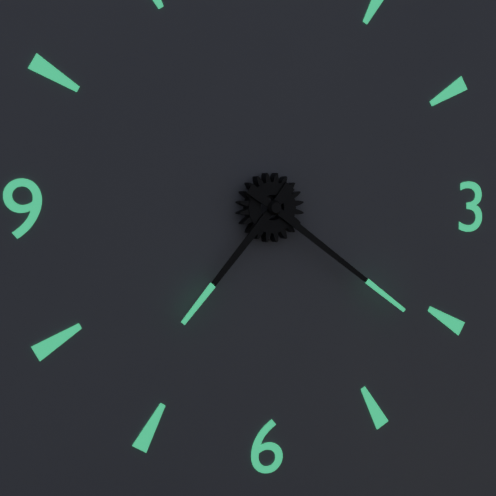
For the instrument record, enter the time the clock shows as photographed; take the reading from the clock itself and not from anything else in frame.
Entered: 7:21
